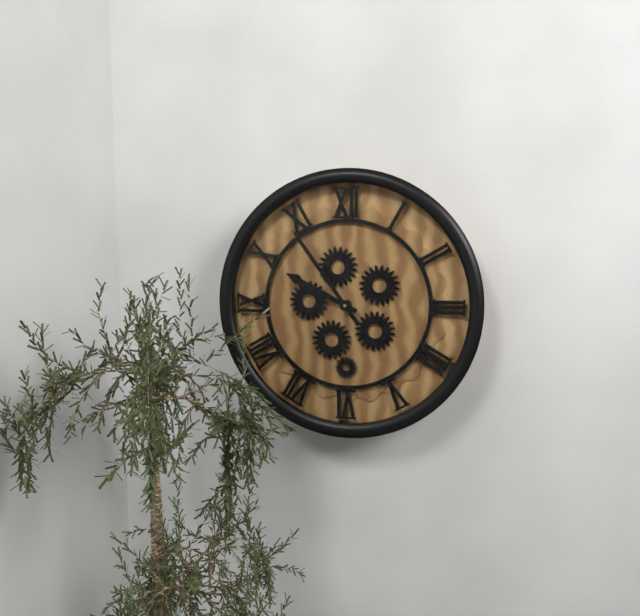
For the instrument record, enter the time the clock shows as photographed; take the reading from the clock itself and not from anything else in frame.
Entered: 9:54
